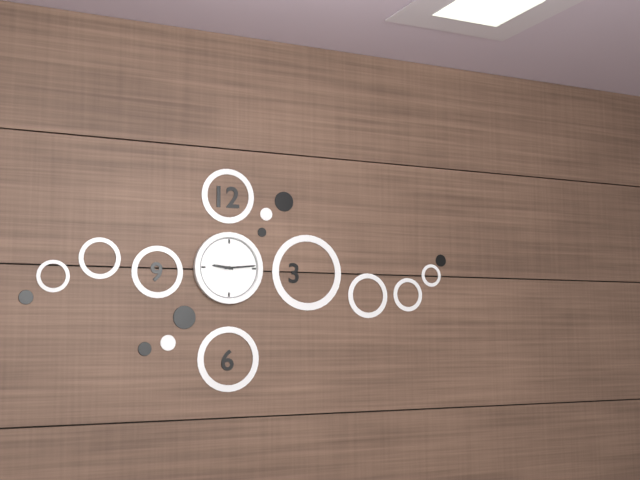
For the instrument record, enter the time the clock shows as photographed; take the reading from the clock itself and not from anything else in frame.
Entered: 9:14
